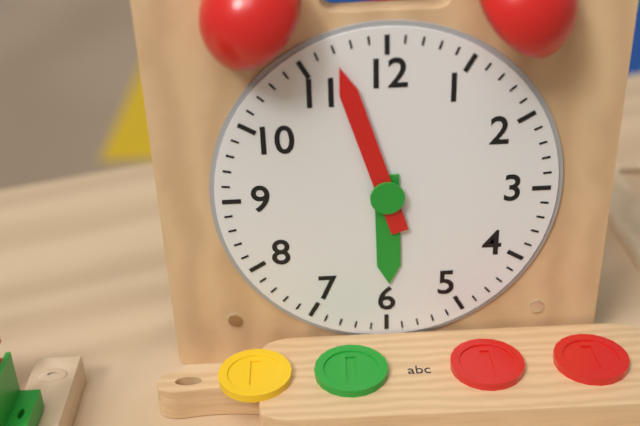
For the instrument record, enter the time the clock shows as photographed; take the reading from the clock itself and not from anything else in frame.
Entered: 5:57
